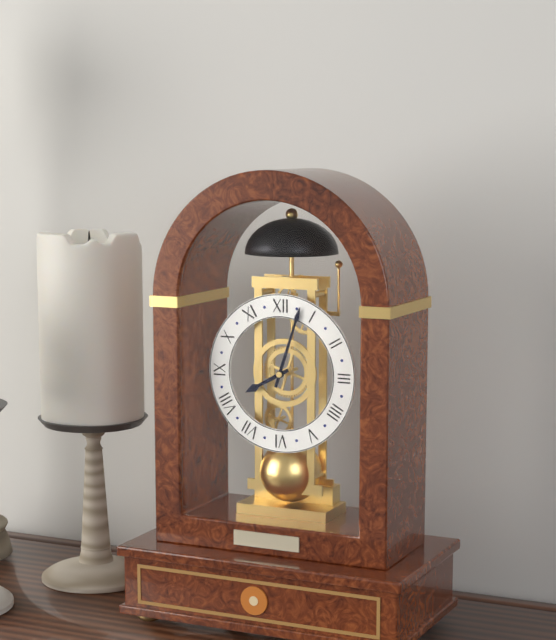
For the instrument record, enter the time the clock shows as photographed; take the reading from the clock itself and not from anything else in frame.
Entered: 8:03
